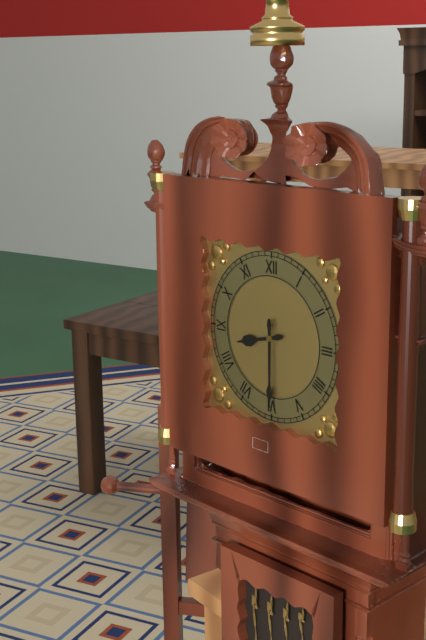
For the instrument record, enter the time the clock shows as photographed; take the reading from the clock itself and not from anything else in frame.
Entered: 8:30
